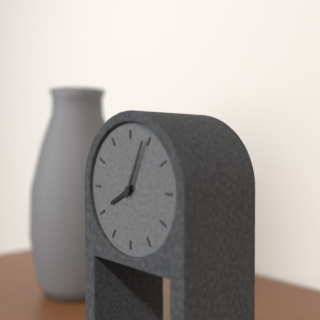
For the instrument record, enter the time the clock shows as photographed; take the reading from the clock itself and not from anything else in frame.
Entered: 8:04
